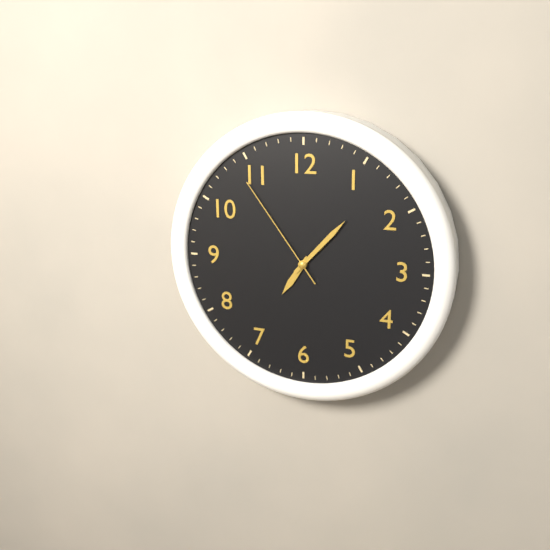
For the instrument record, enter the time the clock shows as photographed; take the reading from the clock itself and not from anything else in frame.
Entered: 7:07:54
